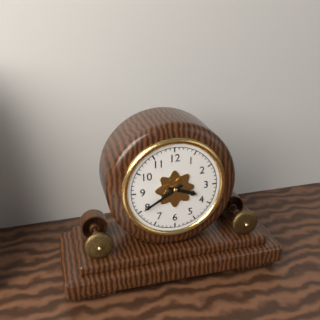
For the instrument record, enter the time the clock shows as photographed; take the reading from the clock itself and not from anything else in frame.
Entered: 3:40
